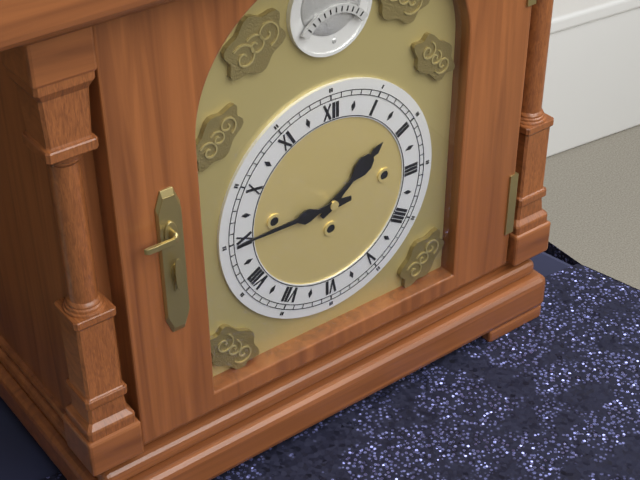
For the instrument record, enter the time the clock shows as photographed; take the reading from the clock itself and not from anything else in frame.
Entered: 1:45
